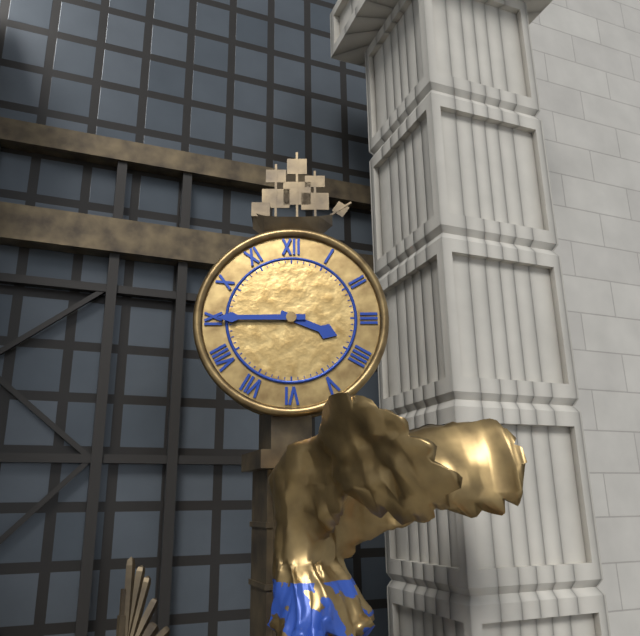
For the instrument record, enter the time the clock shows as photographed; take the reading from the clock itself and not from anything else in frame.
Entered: 3:45
